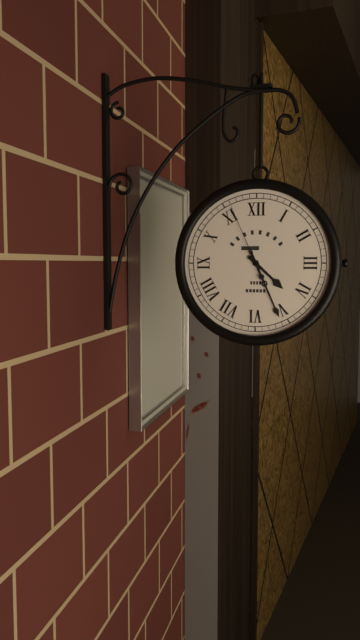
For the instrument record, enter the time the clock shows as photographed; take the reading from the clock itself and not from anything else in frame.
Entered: 4:26:56
